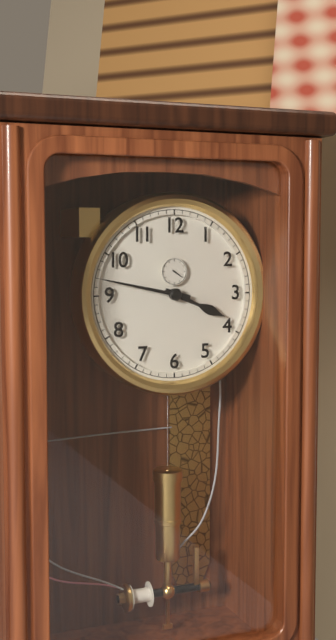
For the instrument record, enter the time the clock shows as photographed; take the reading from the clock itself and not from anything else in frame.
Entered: 3:47
